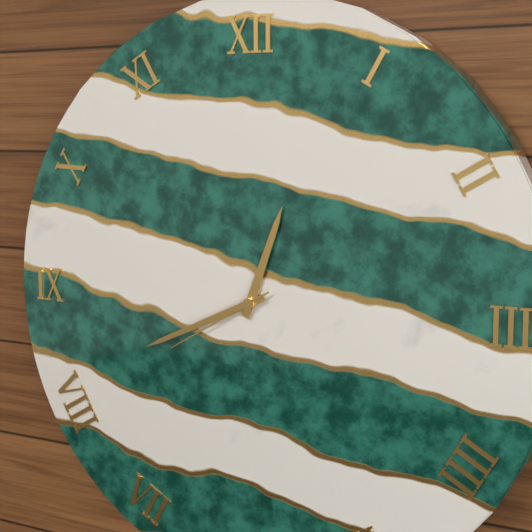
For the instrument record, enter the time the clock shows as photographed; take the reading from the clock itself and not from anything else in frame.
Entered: 12:41:40
